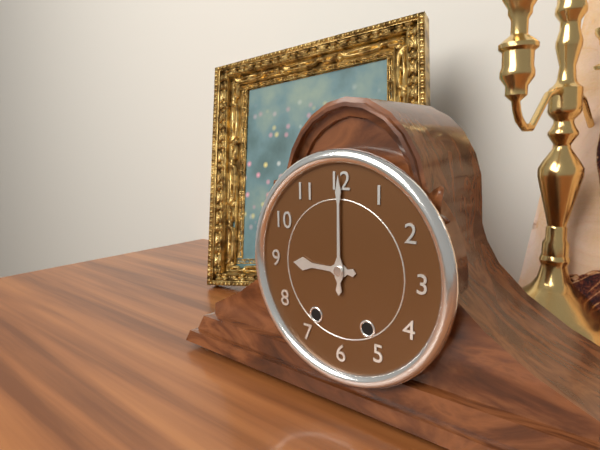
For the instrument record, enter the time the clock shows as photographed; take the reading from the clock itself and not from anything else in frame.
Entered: 9:00
